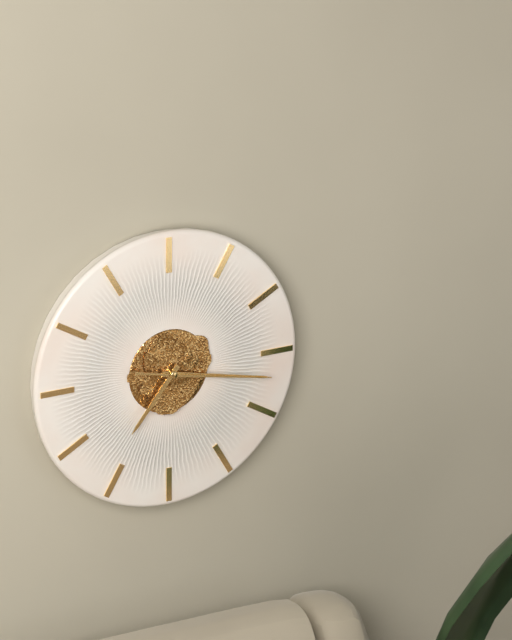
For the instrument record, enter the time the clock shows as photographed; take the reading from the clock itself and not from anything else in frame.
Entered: 7:17:17
